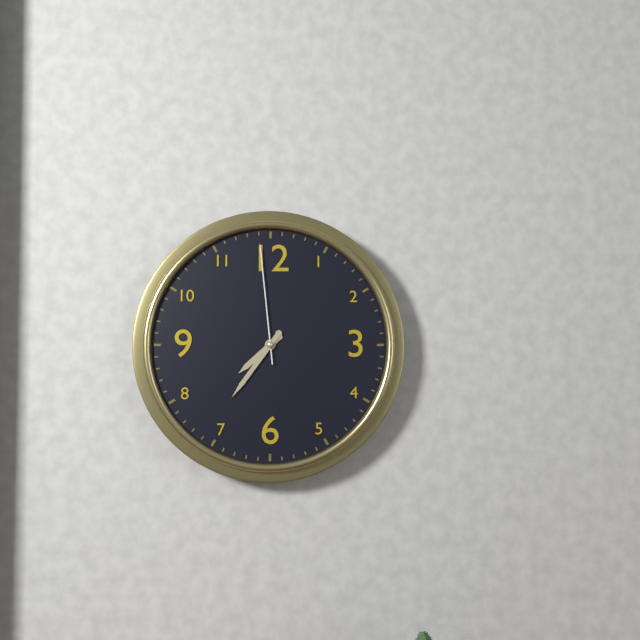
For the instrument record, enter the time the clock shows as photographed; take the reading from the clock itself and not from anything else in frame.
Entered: 7:36:59
